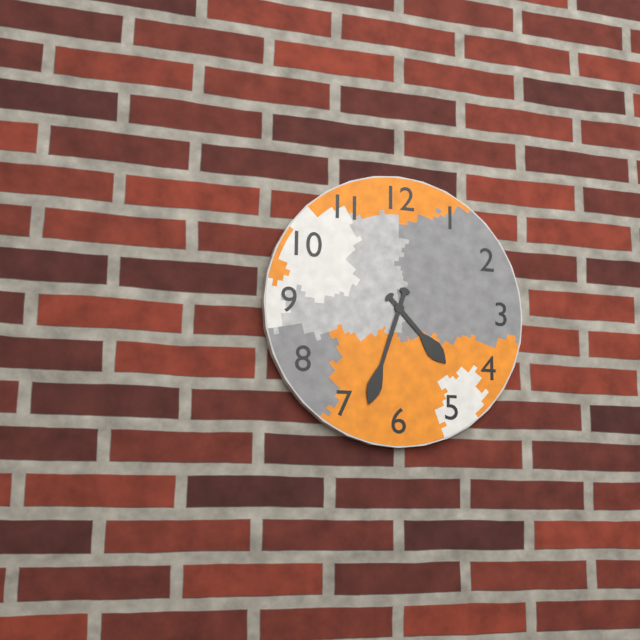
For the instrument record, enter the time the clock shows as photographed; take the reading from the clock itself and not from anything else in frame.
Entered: 4:33
